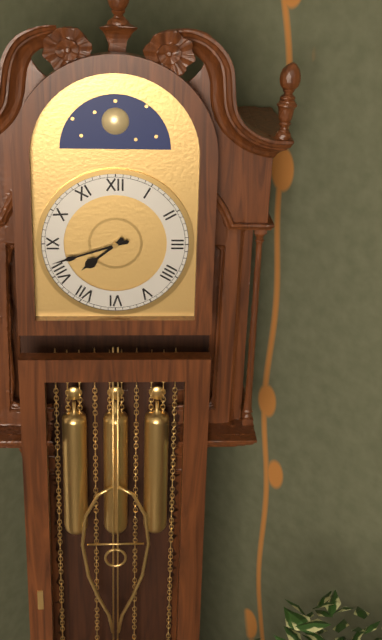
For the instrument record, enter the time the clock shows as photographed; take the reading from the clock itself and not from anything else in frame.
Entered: 7:42
